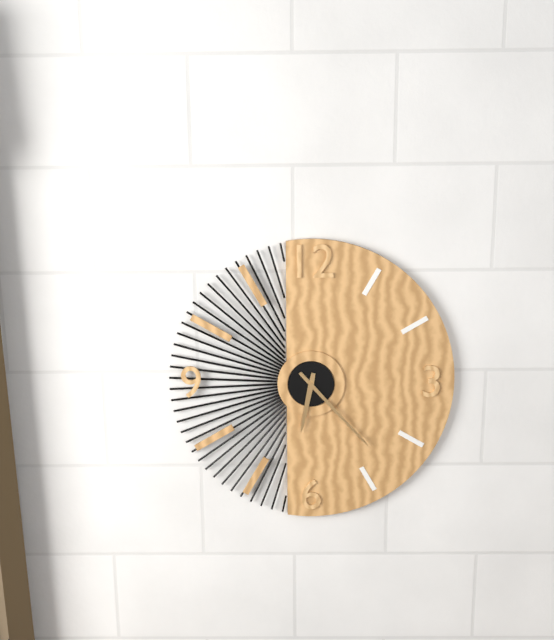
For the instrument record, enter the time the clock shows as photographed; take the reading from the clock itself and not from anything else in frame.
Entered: 6:23
